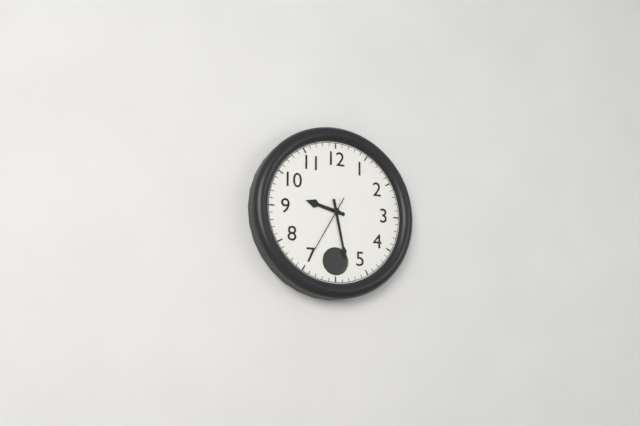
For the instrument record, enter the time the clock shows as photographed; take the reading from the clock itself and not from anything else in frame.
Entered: 9:28:35
